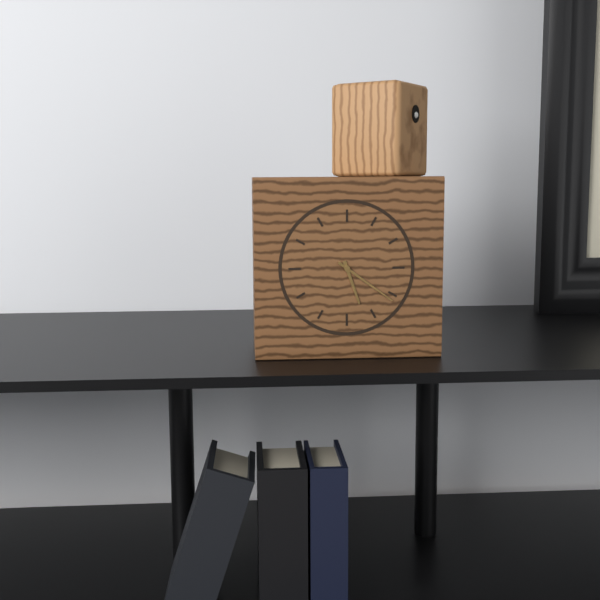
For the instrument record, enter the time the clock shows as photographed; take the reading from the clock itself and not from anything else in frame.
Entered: 5:21
